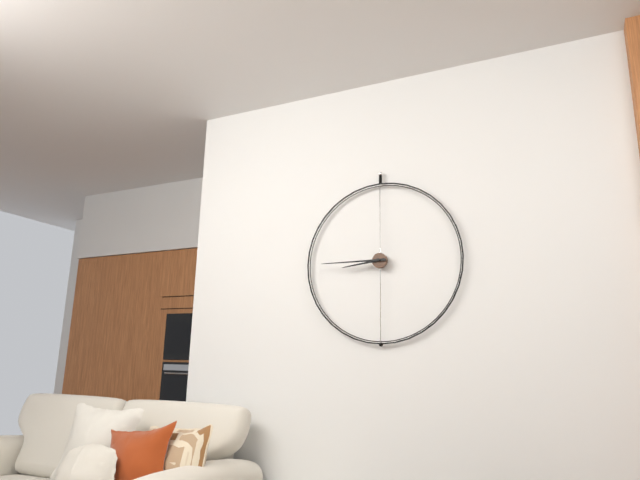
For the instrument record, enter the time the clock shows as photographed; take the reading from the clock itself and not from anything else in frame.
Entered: 8:45
